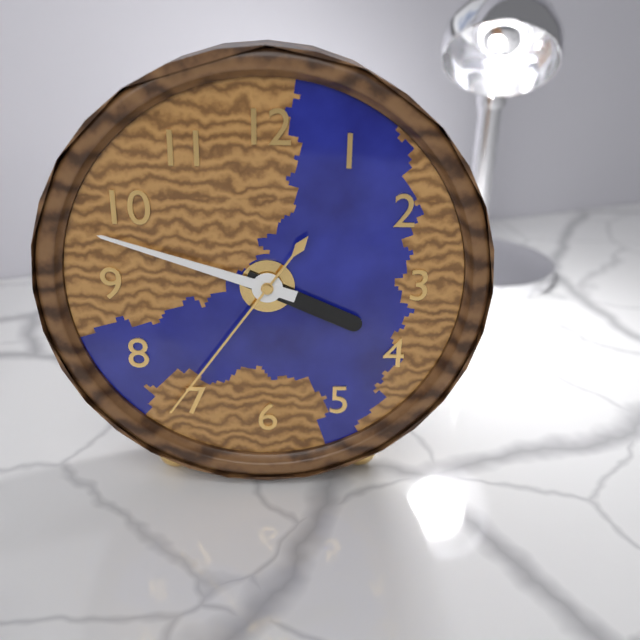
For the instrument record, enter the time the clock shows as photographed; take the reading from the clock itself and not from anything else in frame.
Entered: 3:48:36
